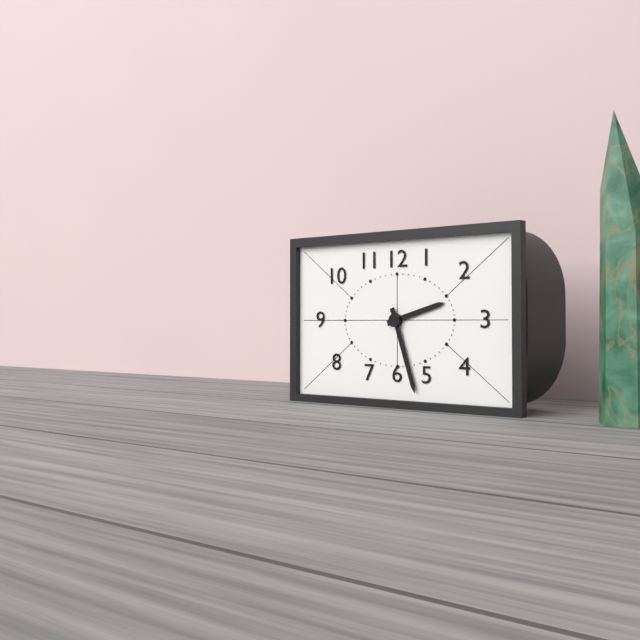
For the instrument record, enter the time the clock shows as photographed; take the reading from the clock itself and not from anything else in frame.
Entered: 2:27
